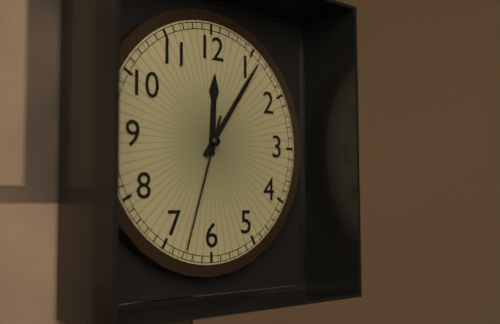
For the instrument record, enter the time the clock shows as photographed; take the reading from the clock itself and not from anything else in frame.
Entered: 12:06:33
